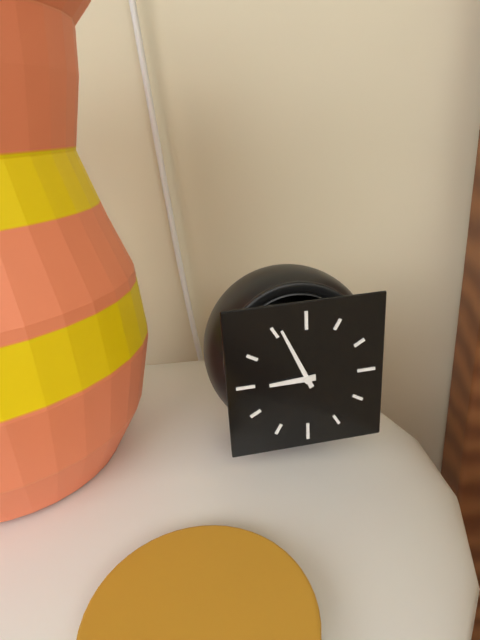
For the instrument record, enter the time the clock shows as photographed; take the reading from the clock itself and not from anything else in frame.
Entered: 8:56
